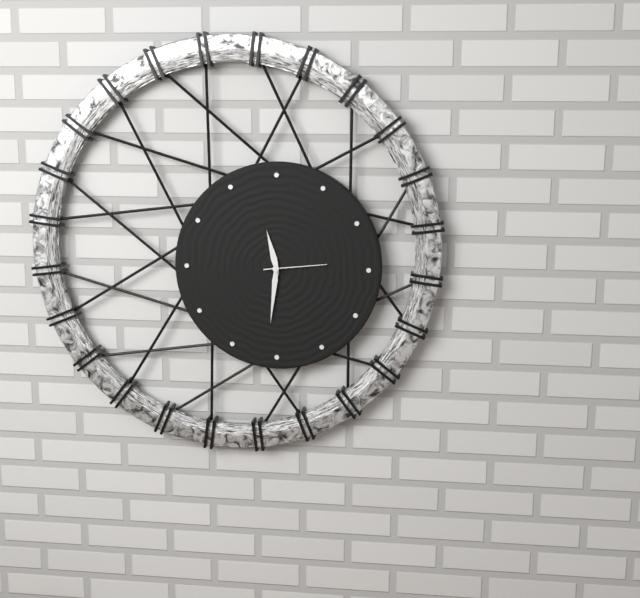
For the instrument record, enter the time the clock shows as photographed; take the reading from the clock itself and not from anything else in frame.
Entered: 11:31:14
